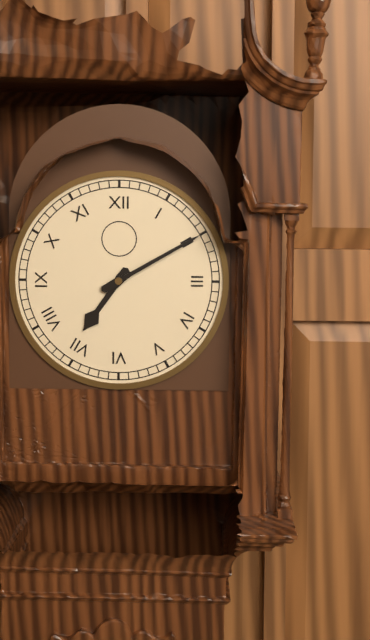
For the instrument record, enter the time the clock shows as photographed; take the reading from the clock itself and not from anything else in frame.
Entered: 7:10
